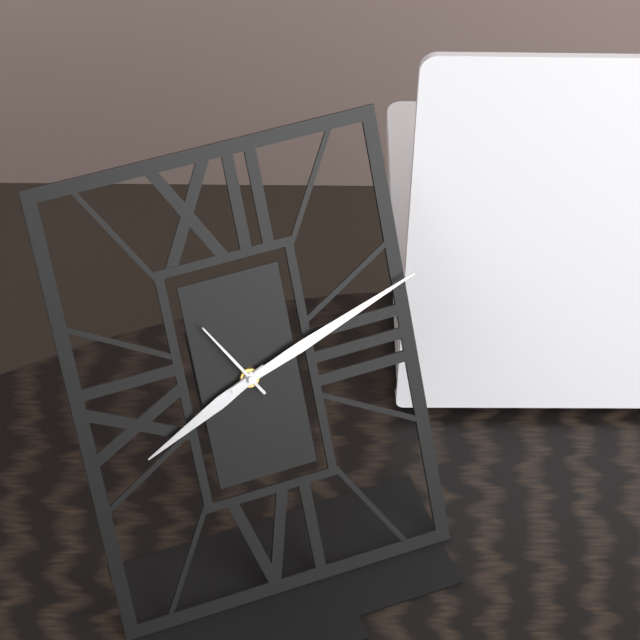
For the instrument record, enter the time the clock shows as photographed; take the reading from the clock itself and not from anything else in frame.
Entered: 8:12:55
